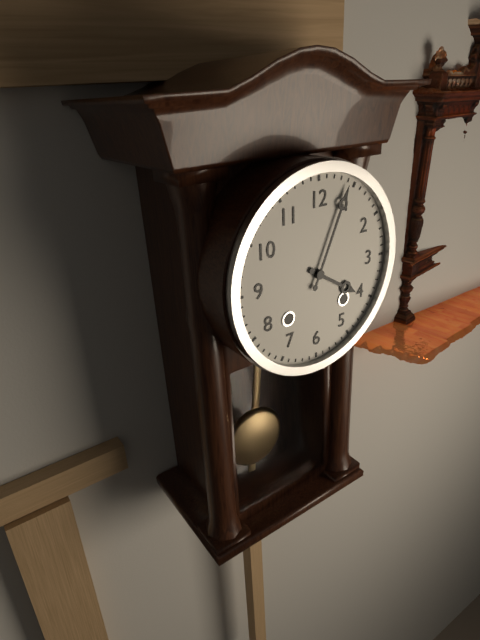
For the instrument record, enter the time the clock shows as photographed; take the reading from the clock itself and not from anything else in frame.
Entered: 4:04
